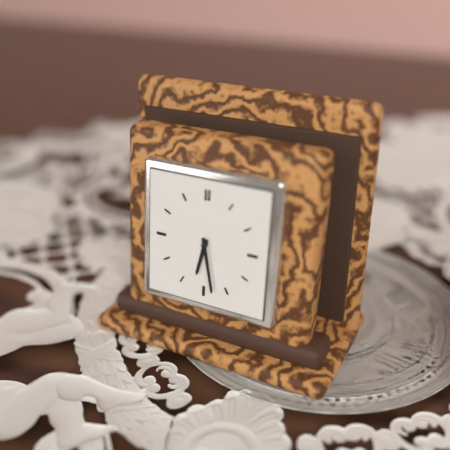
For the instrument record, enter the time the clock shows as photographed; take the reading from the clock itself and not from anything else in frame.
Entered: 6:28
